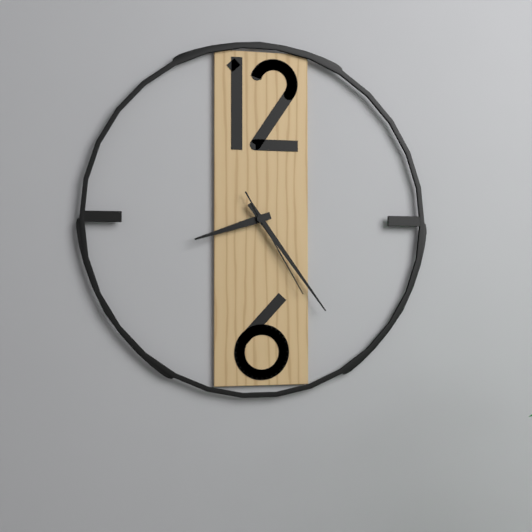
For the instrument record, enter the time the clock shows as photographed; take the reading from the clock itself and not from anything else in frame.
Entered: 8:24:25
